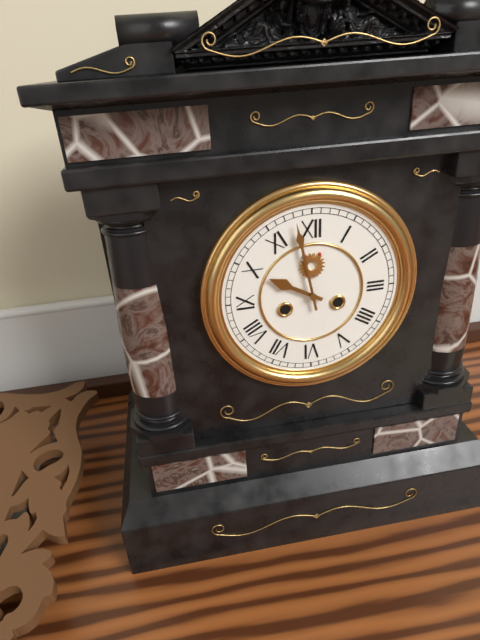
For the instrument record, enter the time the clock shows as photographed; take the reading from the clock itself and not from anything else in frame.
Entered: 9:58
